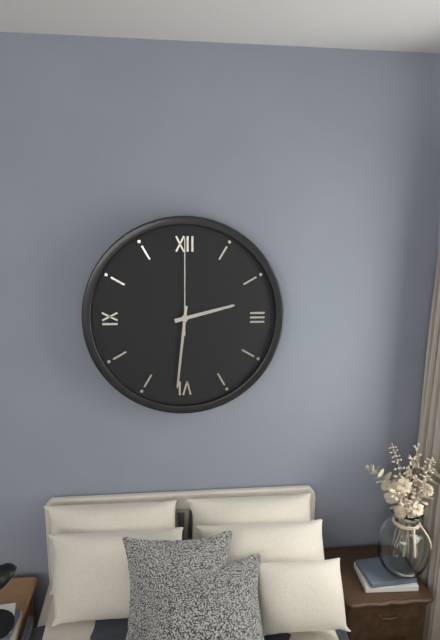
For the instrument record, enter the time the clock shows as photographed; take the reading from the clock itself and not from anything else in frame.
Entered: 2:31:00
